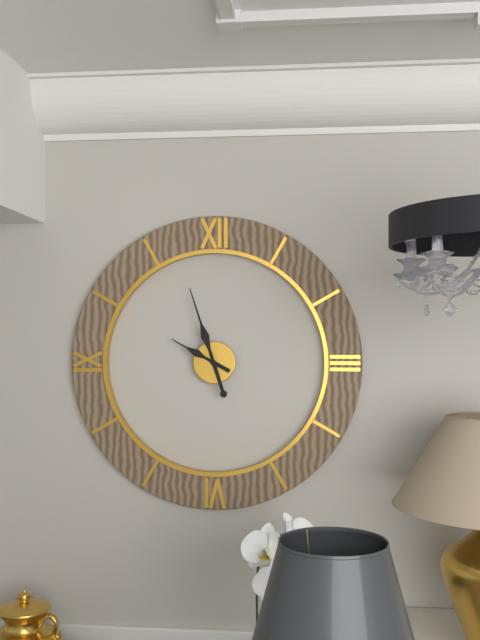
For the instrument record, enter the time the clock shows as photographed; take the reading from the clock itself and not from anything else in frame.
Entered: 9:57
